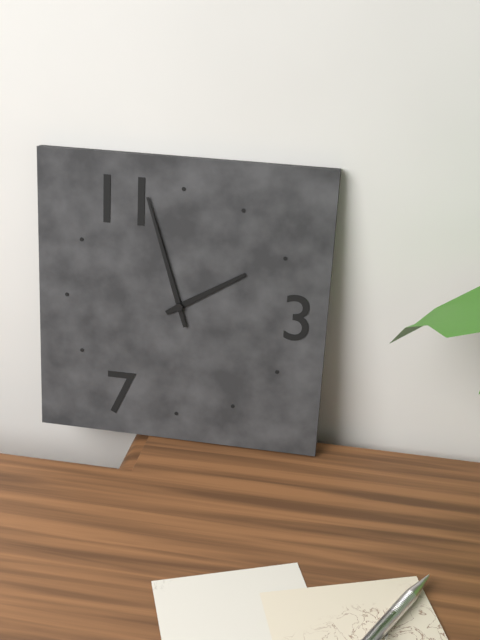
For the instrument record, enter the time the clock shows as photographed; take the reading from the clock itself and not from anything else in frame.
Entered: 1:57
